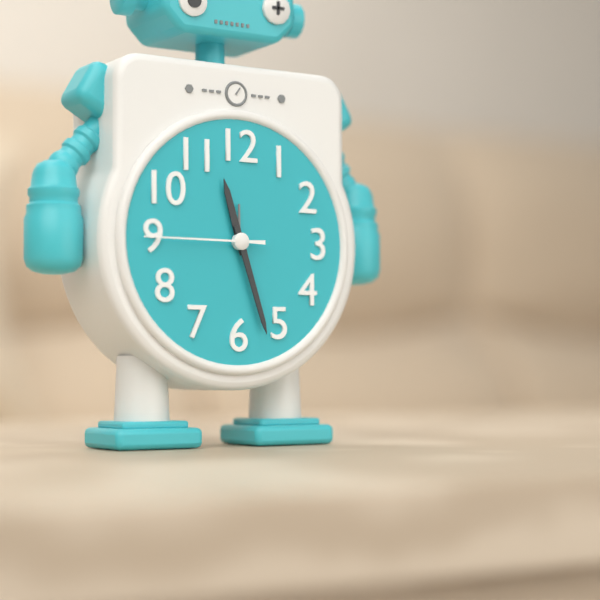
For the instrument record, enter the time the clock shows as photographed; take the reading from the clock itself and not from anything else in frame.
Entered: 11:27:45
